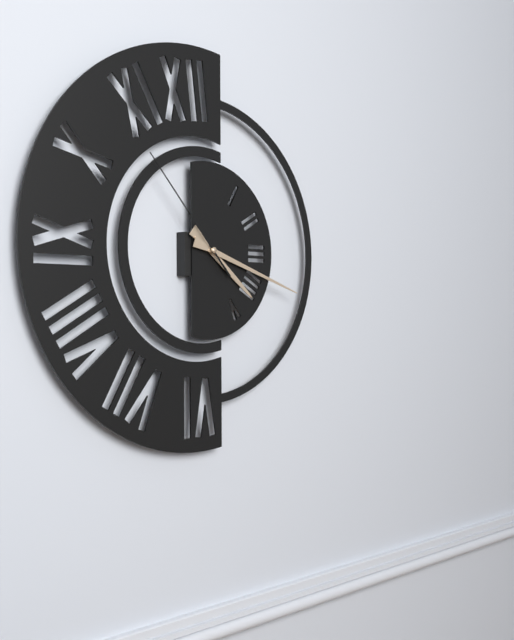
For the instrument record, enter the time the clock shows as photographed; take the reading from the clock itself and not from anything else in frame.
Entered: 4:18:53
